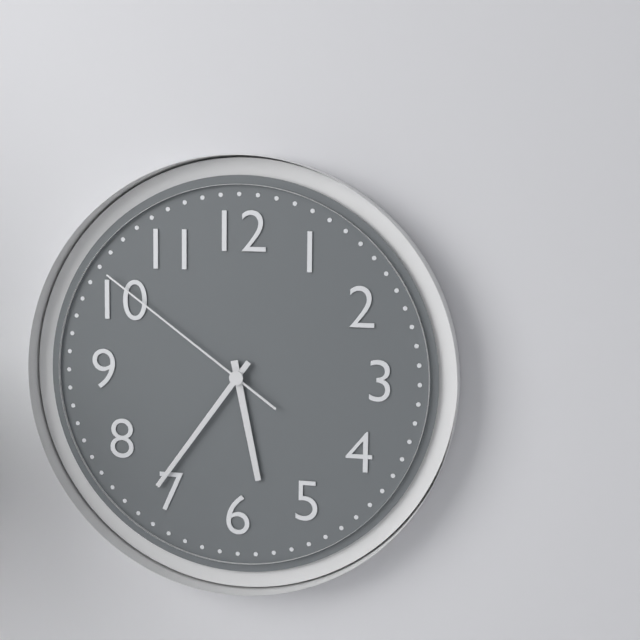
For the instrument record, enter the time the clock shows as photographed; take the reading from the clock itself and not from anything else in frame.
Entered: 5:36:51
